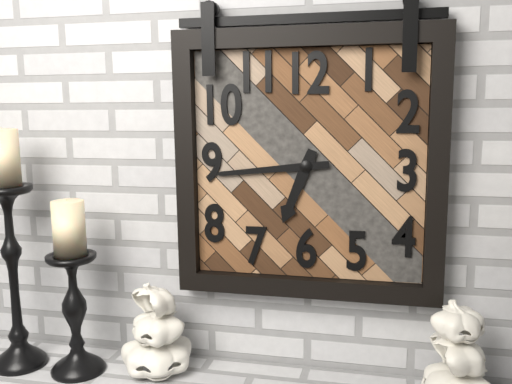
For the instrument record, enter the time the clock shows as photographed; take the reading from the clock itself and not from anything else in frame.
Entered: 6:44
